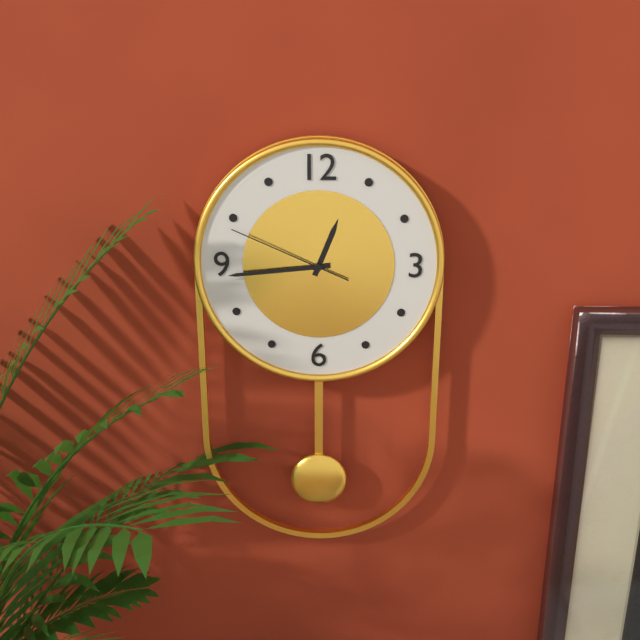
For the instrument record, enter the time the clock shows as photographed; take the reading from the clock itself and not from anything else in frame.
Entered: 12:44:49
